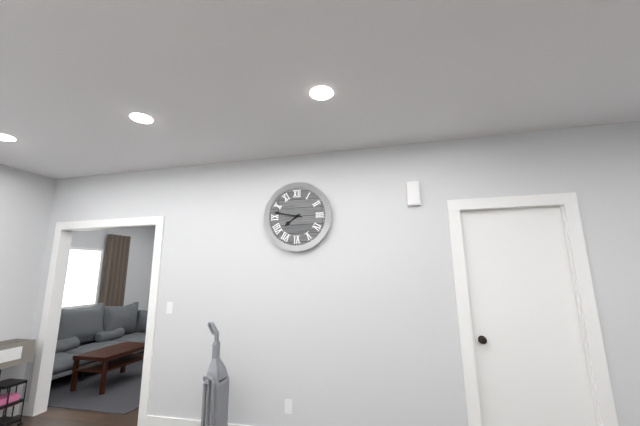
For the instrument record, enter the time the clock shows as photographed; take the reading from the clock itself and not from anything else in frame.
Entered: 7:47
